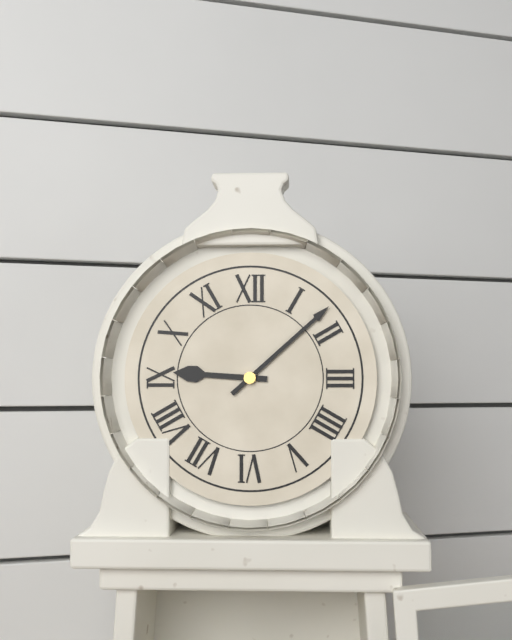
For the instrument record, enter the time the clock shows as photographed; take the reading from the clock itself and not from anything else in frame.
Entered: 9:08
